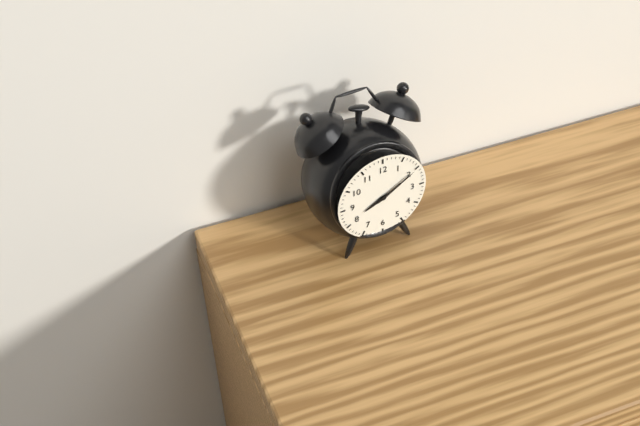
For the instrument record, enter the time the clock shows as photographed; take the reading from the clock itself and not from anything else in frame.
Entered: 8:10
